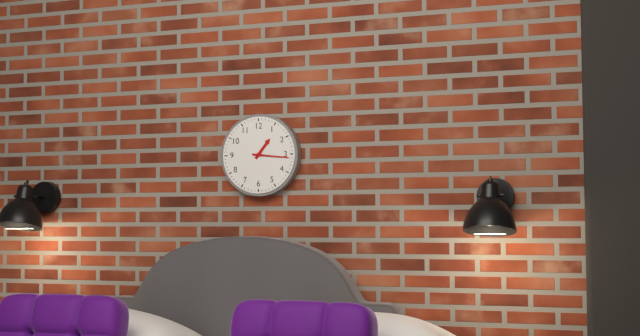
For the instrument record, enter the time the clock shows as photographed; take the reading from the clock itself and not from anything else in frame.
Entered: 1:16
